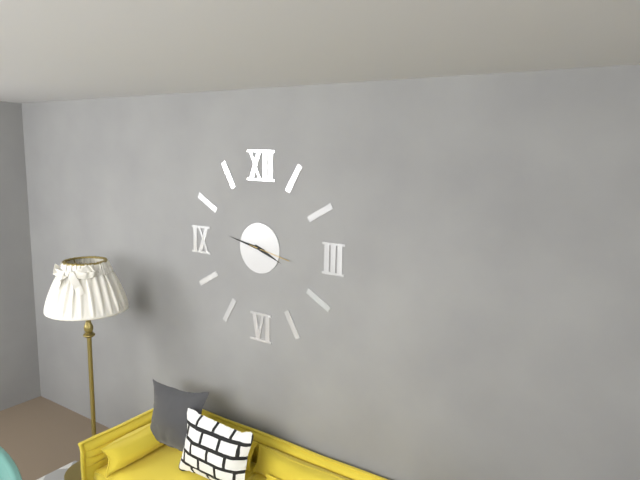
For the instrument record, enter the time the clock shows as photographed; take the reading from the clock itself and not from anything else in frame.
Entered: 3:47
